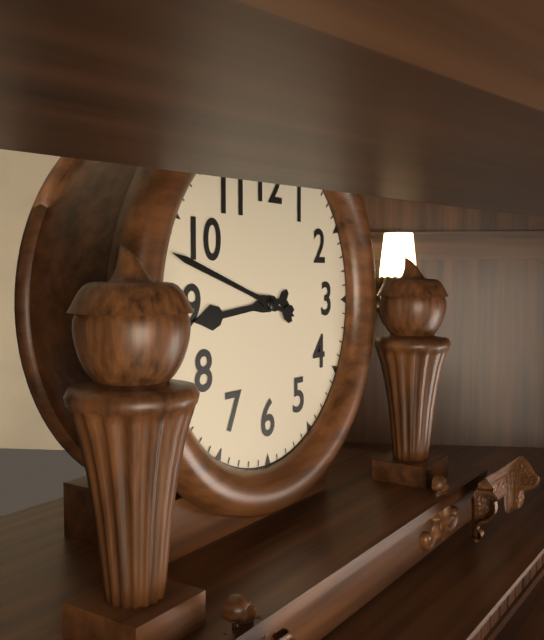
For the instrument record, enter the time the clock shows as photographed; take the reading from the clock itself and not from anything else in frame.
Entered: 8:48
